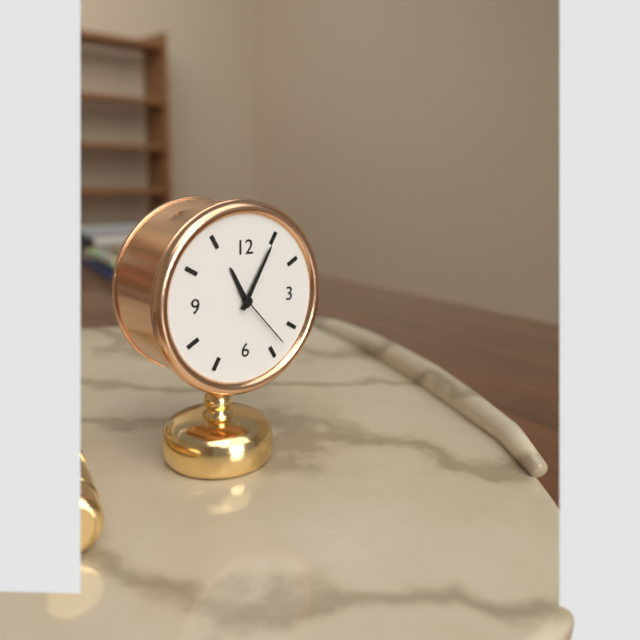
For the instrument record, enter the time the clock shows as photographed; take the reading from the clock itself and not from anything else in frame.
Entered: 11:05:23
